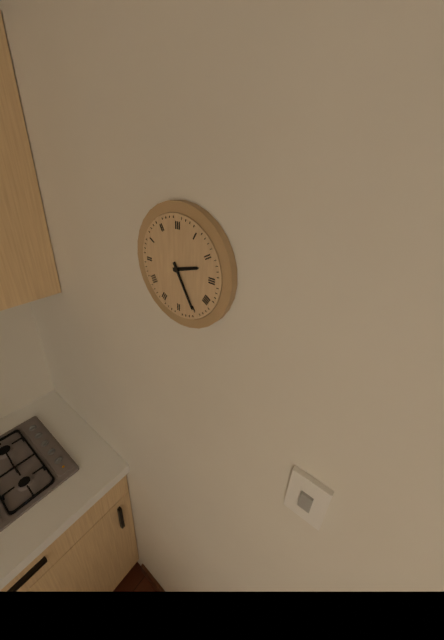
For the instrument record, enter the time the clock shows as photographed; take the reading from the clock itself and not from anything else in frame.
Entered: 2:25
